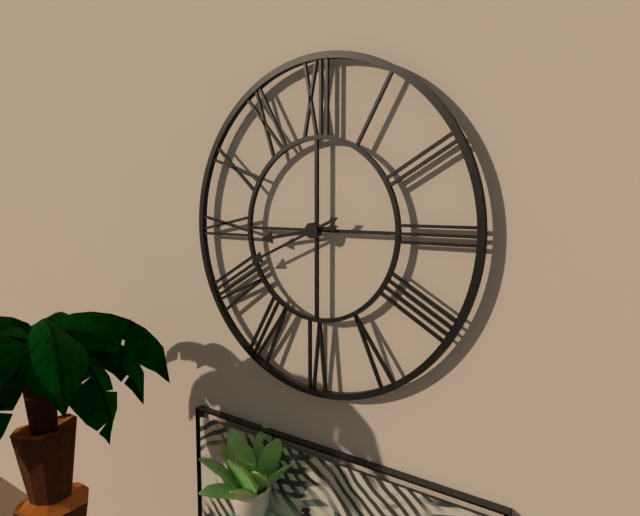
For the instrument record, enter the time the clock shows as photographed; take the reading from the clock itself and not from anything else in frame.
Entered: 8:41
